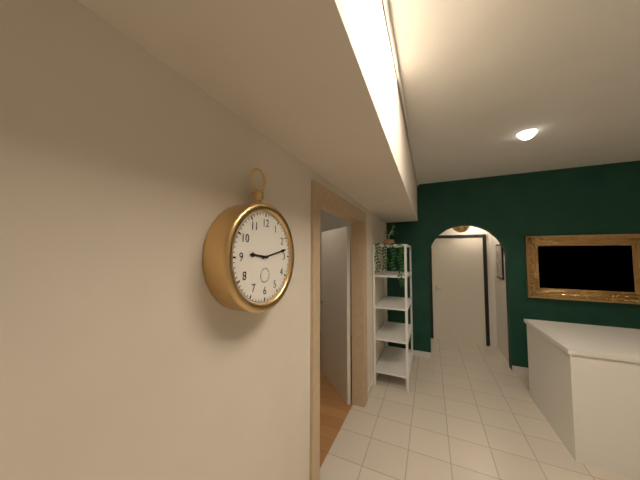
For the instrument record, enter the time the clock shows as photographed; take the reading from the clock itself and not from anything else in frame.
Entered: 9:13
